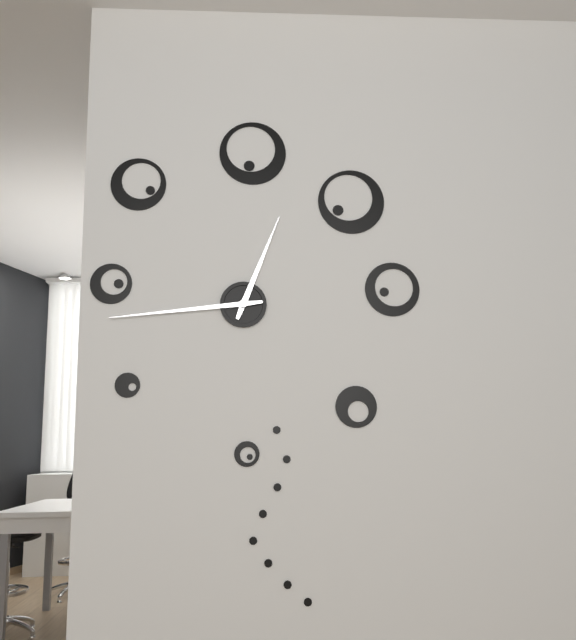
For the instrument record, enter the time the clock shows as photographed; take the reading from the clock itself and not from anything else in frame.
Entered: 12:44
